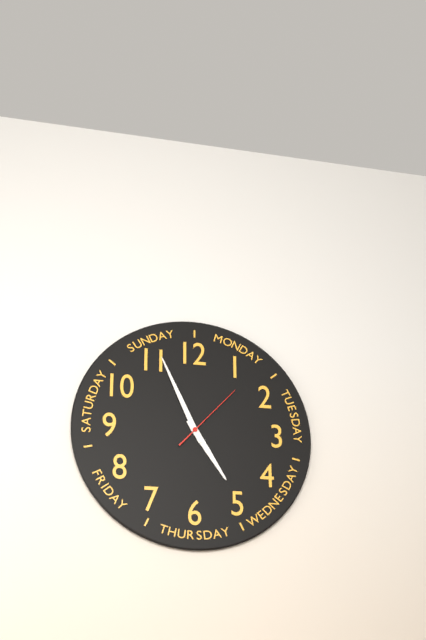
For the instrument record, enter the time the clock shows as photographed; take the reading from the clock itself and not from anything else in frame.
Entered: 4:56:07
